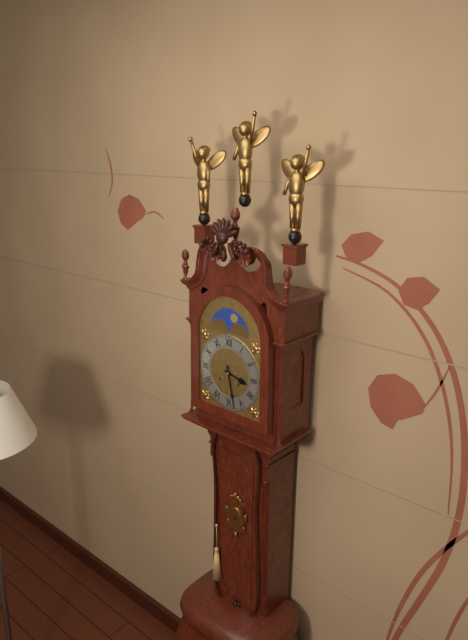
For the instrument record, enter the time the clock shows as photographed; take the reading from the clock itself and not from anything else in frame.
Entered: 3:28
